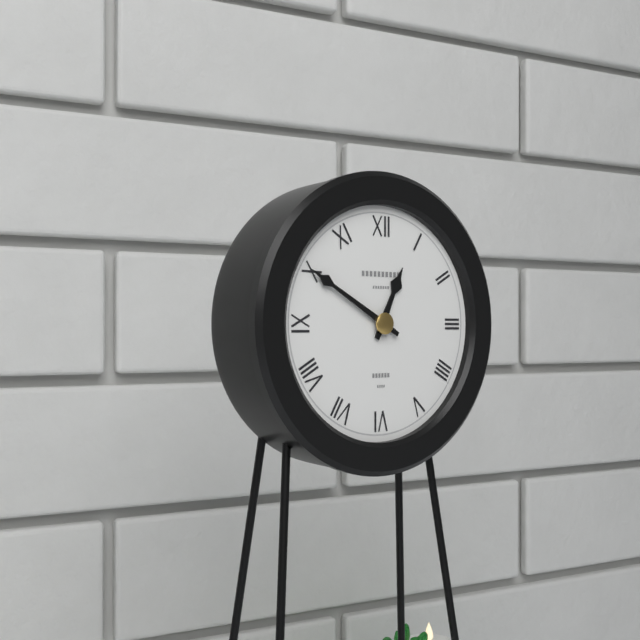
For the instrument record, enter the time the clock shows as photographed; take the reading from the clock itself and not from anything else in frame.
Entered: 12:50
